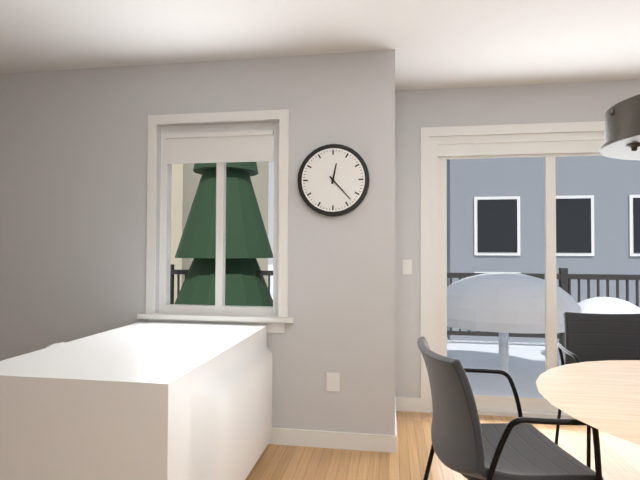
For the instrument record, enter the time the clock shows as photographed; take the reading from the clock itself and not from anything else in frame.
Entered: 12:23
